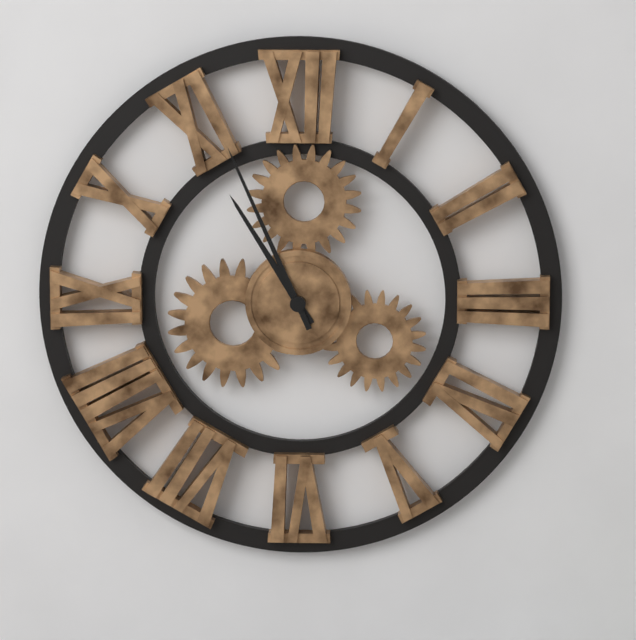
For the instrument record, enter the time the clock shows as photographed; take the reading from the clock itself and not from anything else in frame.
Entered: 10:56
